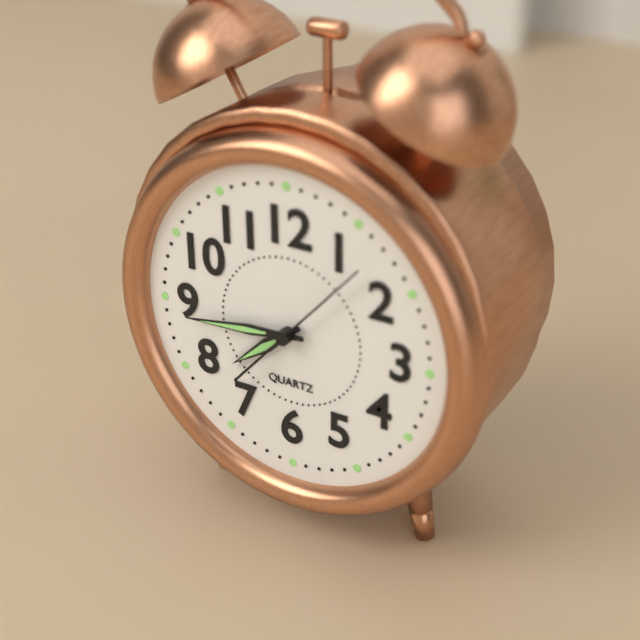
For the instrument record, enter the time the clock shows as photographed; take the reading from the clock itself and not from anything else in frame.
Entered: 7:44
